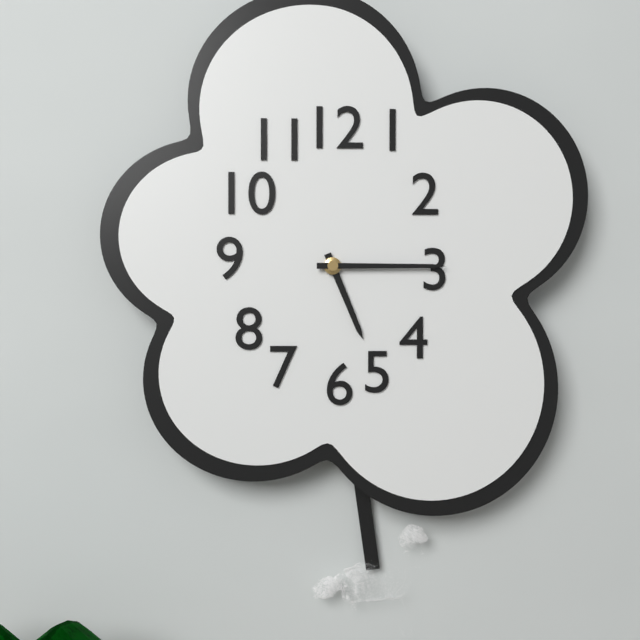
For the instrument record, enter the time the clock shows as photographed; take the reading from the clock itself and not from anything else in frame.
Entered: 5:15
